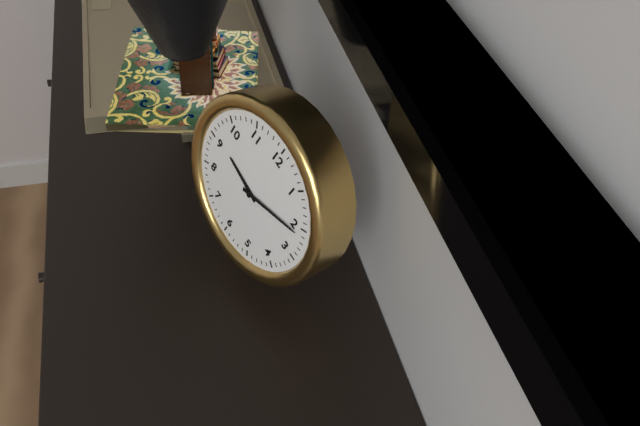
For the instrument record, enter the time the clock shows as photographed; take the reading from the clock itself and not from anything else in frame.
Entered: 9:11
